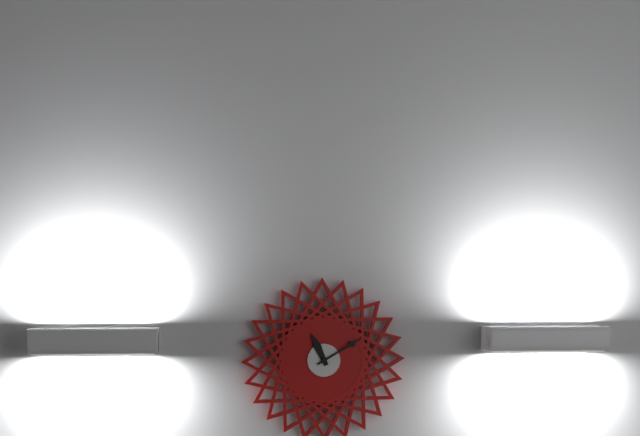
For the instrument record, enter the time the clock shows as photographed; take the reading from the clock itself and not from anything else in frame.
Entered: 11:10
